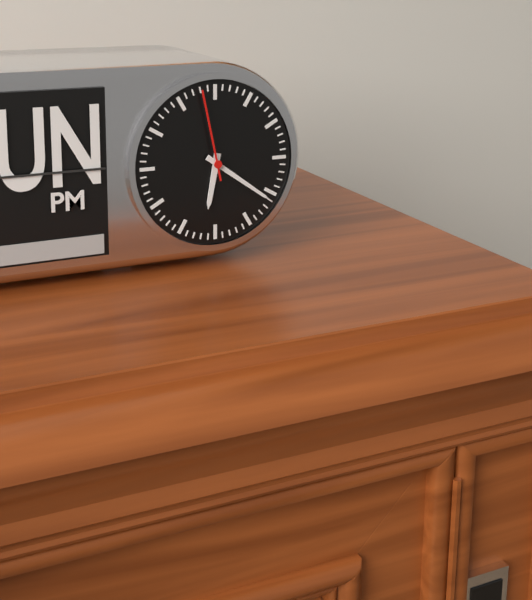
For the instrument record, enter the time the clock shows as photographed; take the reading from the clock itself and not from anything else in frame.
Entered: 6:21:58
